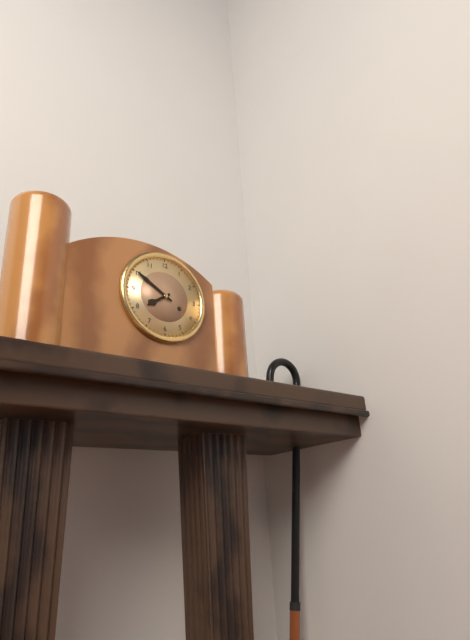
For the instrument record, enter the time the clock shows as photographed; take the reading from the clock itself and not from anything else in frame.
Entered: 7:50
